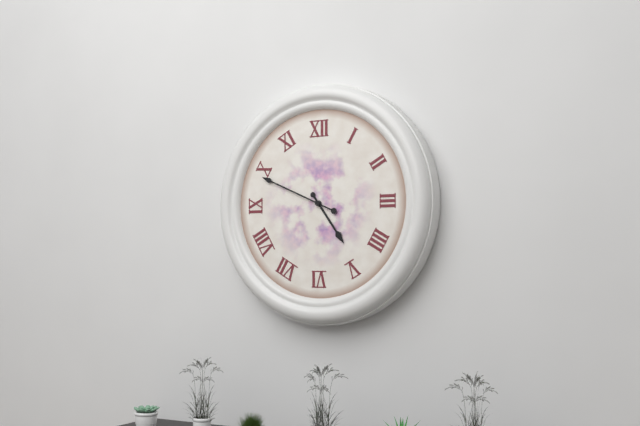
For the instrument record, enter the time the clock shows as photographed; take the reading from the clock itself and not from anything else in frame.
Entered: 4:49
